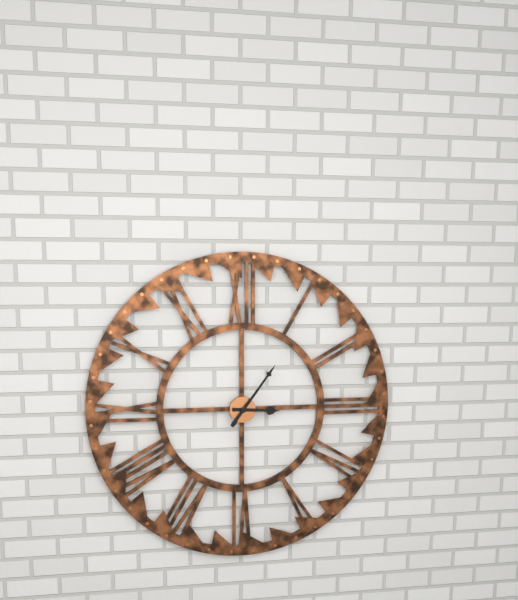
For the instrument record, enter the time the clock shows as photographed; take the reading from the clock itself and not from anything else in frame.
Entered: 3:06
